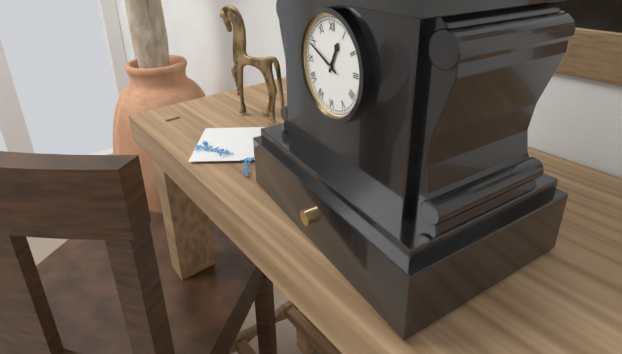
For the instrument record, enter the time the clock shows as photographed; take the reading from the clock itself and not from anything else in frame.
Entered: 12:49
